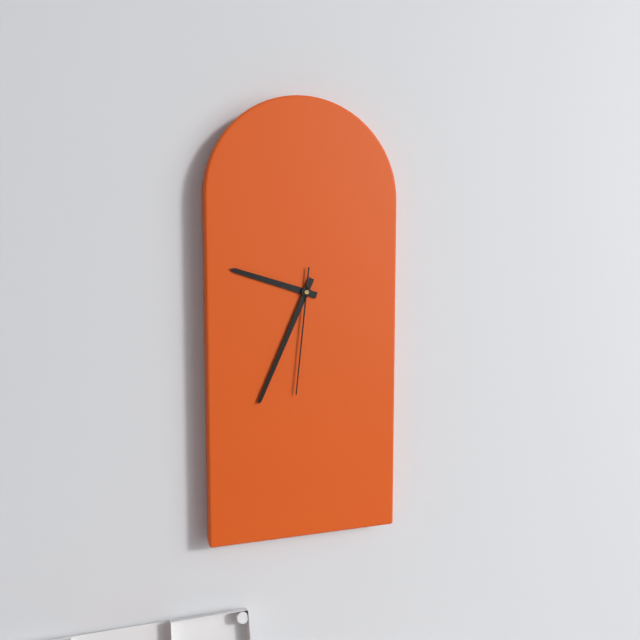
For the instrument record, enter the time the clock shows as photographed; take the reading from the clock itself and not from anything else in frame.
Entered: 9:34:31
